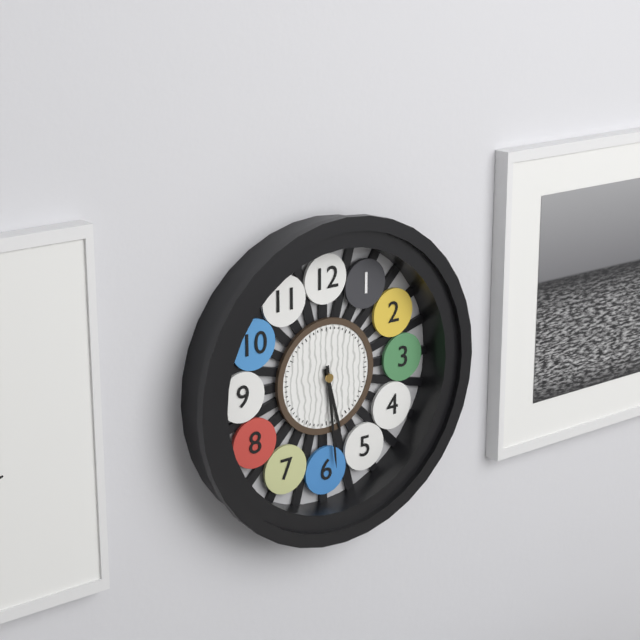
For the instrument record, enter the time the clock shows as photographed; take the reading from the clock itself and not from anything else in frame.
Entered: 5:29
